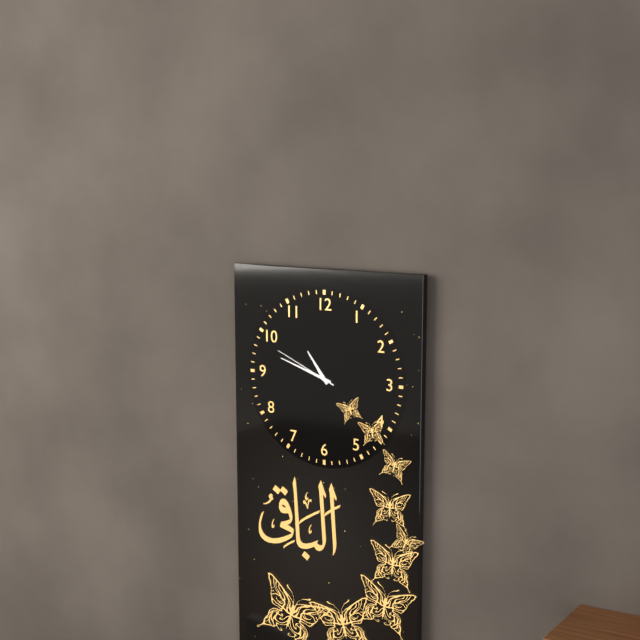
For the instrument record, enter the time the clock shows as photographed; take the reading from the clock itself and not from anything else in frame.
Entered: 10:48:49
